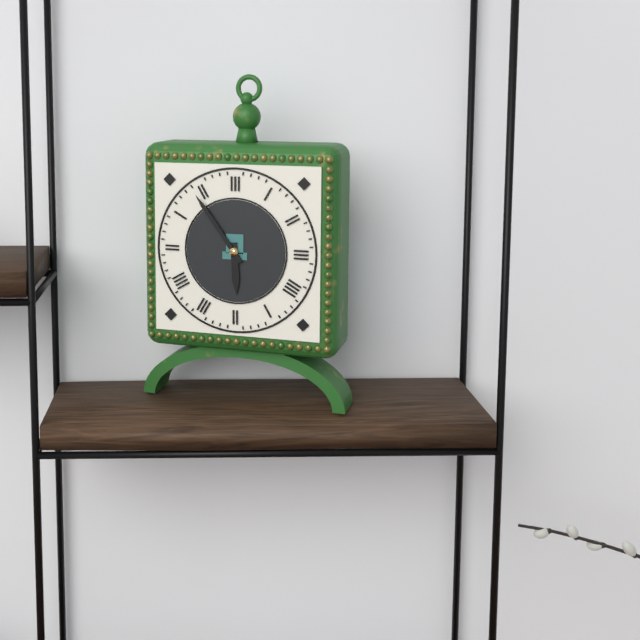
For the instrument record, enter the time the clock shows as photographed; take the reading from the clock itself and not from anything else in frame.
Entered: 5:54
